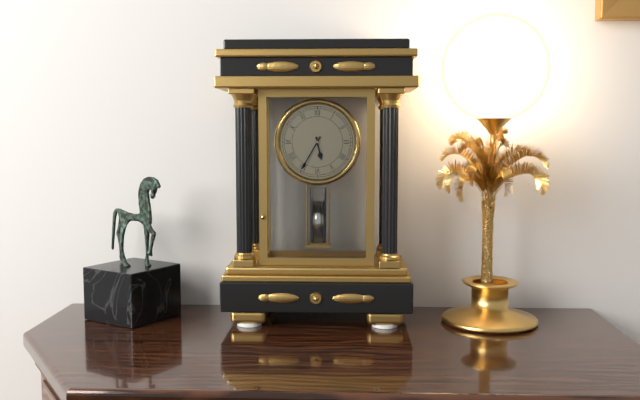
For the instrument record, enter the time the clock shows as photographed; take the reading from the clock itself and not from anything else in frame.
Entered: 5:35
